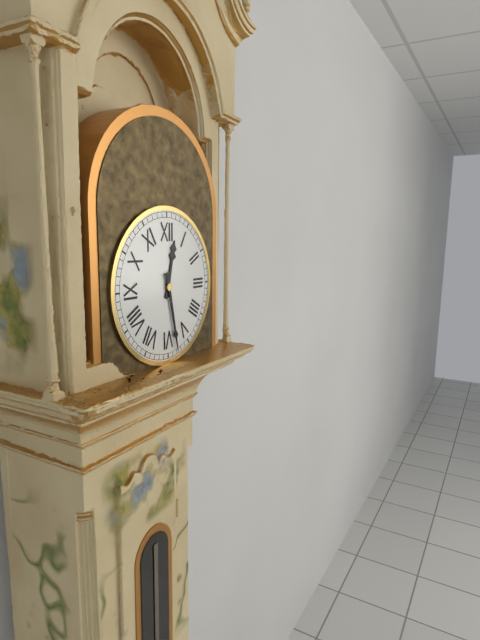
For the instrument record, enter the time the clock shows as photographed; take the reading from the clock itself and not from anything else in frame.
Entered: 12:28
